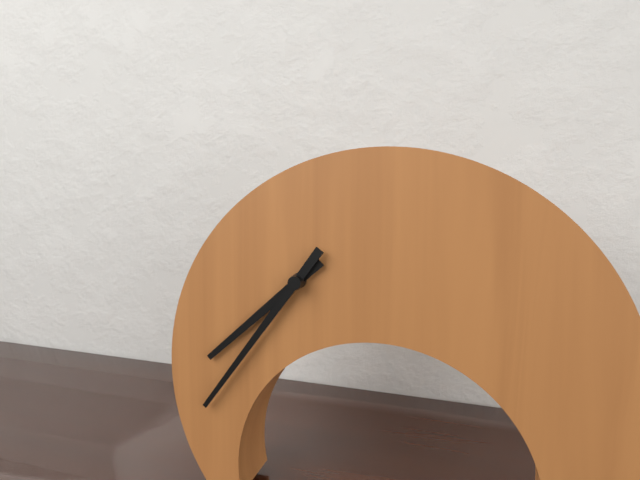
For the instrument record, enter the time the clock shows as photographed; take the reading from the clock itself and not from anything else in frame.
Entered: 7:36
